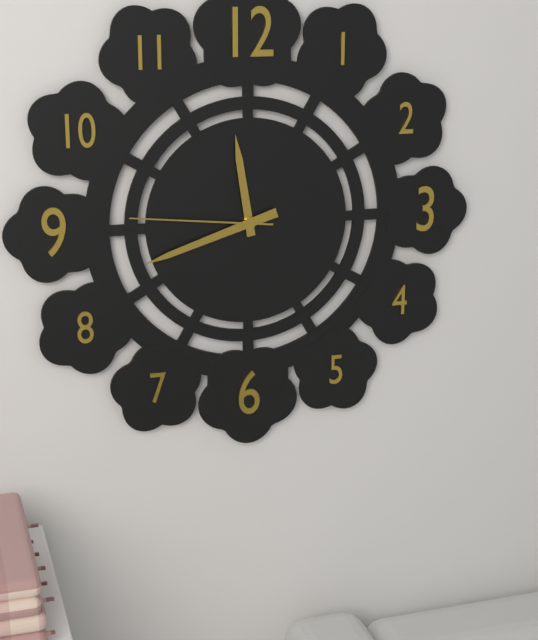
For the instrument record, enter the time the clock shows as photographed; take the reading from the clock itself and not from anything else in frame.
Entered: 11:42:46
